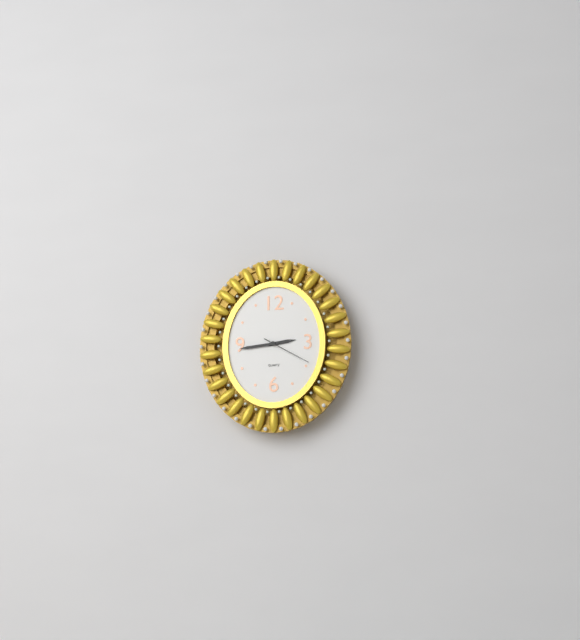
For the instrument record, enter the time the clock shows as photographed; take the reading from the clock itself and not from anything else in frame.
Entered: 2:44:20
